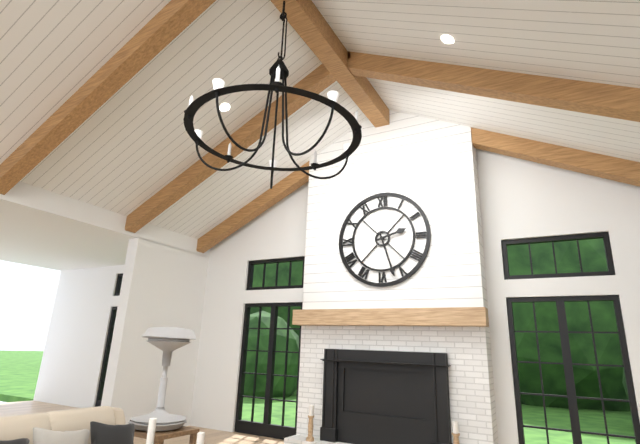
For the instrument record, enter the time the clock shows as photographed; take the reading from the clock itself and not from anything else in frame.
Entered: 2:27
